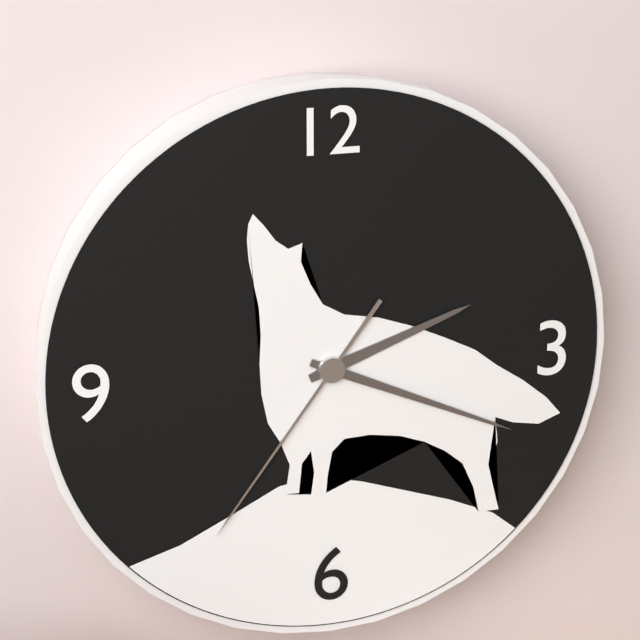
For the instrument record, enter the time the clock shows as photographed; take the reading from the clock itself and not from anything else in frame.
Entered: 2:19:36
